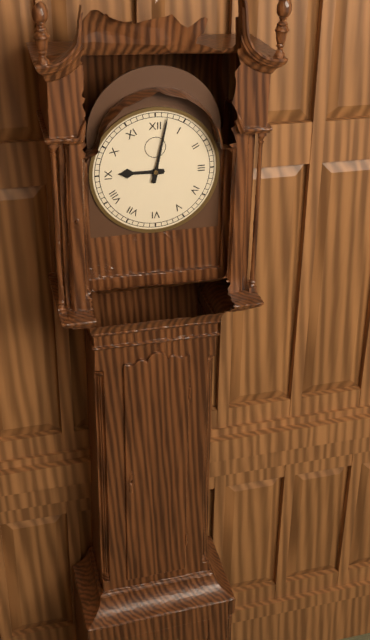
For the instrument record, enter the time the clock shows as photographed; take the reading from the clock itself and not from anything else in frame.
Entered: 9:02
